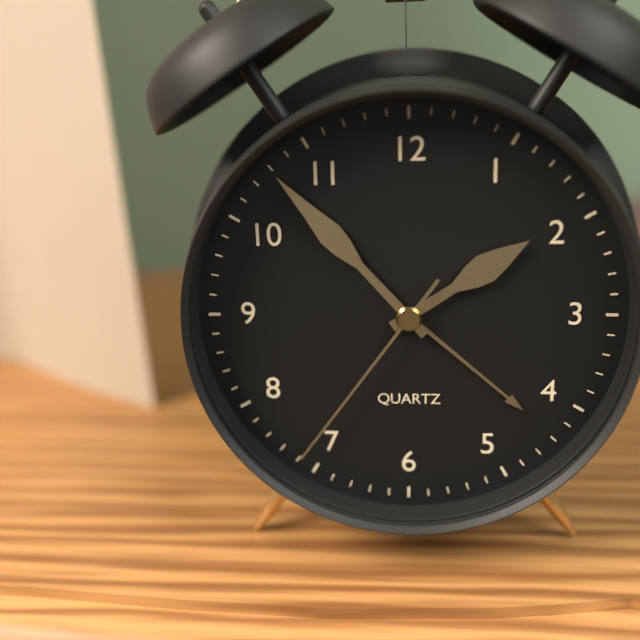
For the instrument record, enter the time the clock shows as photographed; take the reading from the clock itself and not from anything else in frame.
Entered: 1:53:36
